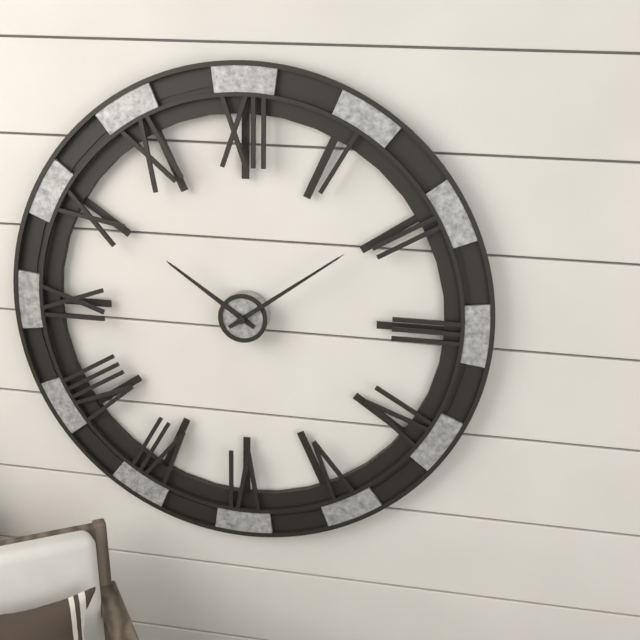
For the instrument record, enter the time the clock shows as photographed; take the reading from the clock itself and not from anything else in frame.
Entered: 10:09
